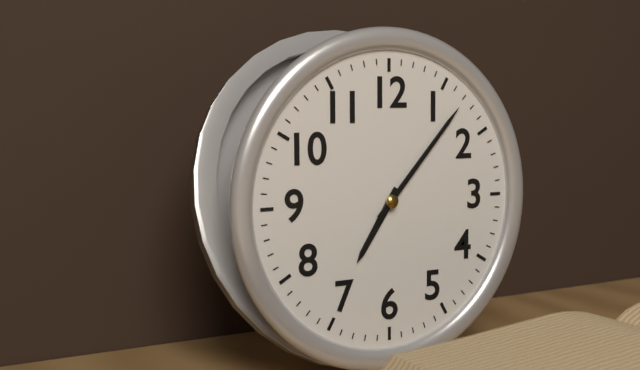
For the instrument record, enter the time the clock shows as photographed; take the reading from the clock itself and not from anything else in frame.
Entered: 7:07
